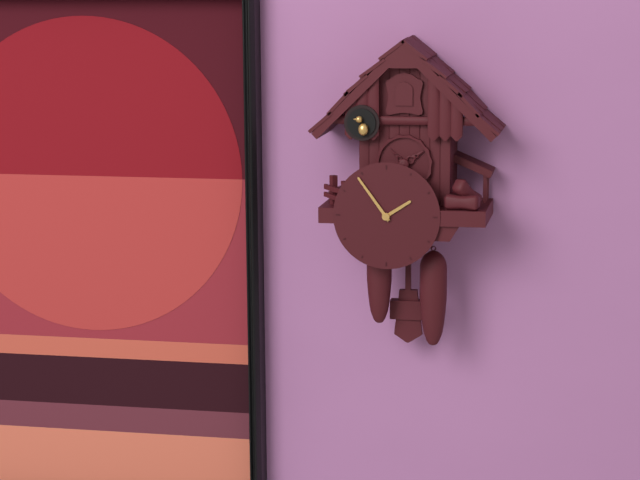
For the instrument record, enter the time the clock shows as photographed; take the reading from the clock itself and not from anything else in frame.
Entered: 1:54
